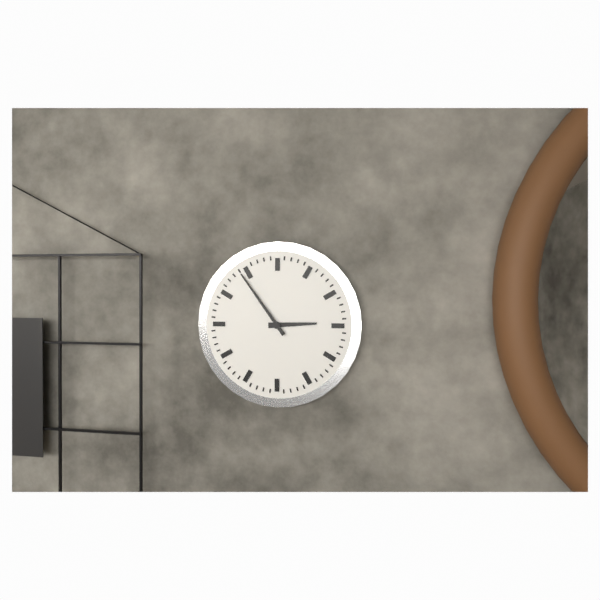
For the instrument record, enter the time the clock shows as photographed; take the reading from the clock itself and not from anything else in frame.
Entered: 2:54
